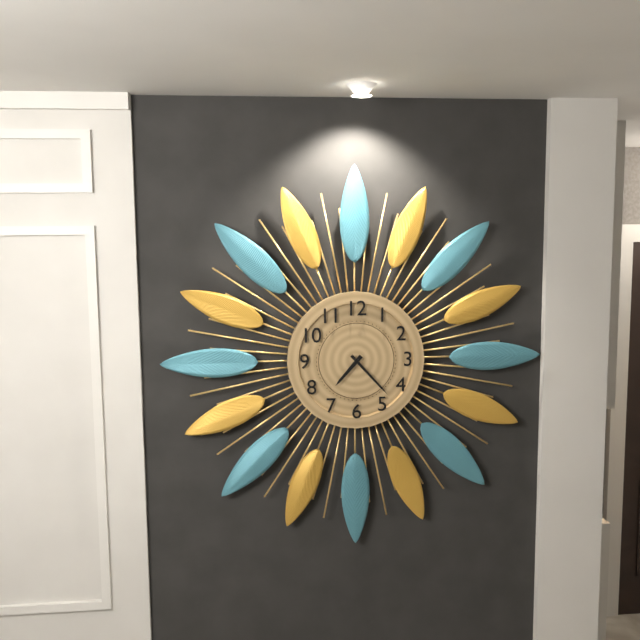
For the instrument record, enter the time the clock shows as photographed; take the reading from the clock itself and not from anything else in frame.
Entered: 7:23
